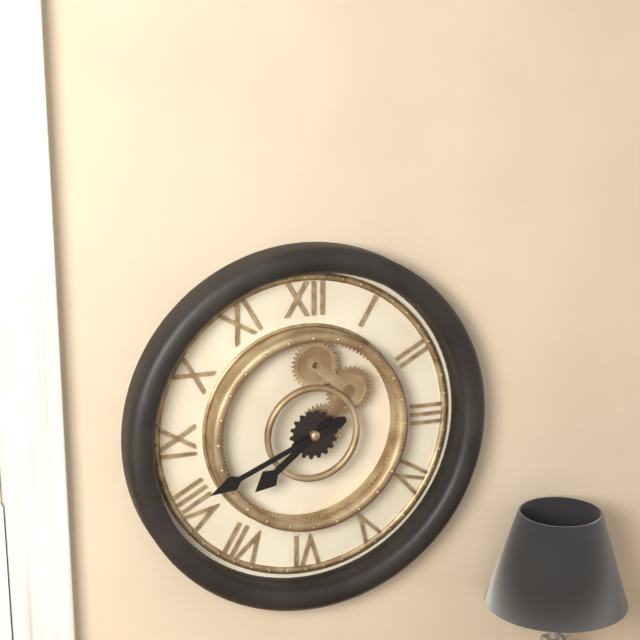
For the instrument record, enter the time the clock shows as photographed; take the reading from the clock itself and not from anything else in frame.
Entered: 7:41
